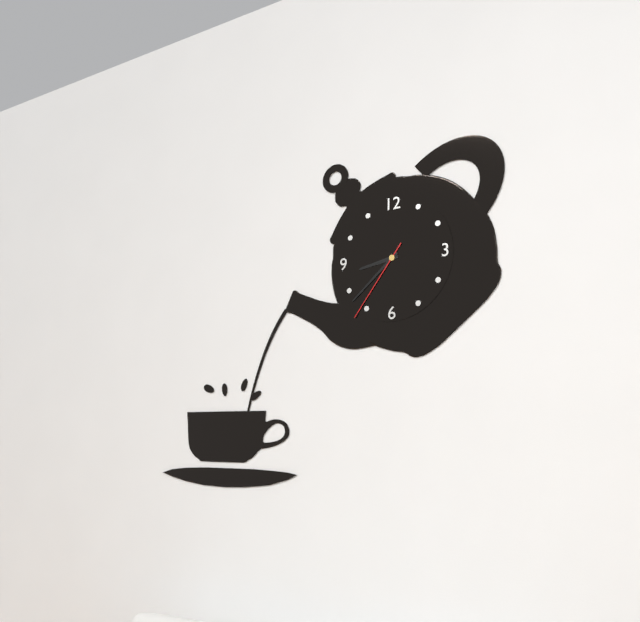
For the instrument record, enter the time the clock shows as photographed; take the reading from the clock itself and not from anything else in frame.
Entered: 8:38:36
